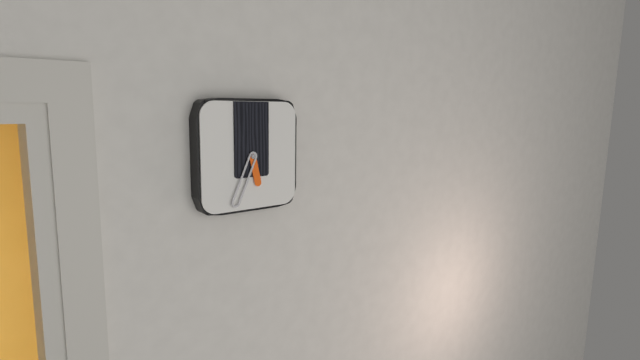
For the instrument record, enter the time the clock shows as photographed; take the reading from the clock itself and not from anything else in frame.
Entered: 5:34
